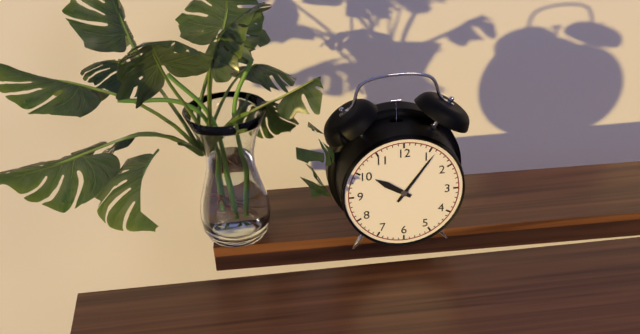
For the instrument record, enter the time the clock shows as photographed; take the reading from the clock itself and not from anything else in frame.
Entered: 10:06
